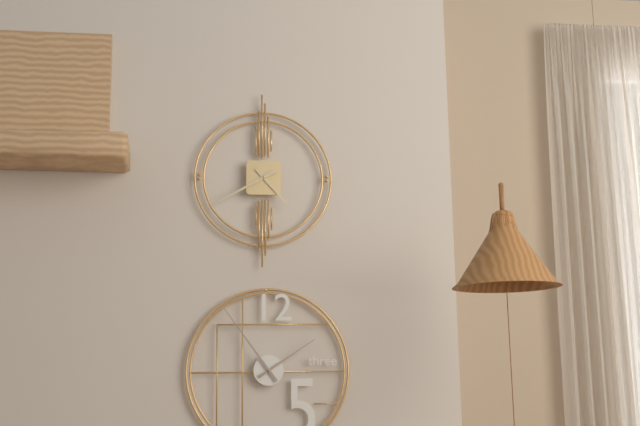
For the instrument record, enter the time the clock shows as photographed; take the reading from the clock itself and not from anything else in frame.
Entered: 4:40
